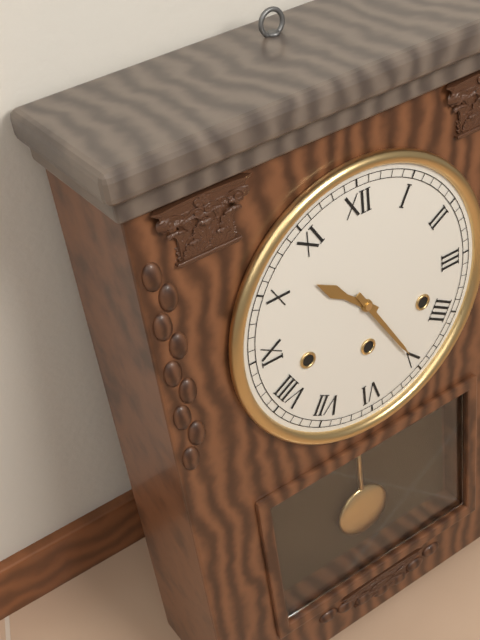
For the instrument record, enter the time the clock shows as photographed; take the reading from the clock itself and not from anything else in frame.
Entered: 10:25
